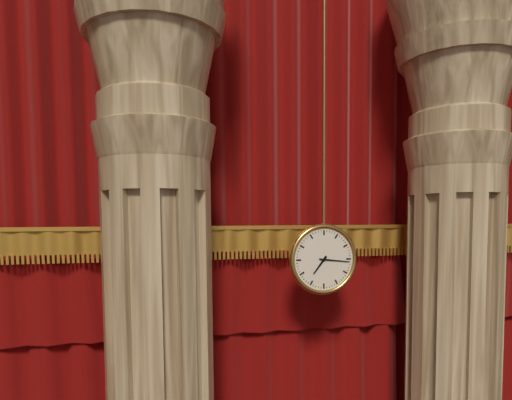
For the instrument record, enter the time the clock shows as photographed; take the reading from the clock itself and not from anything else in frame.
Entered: 7:16
